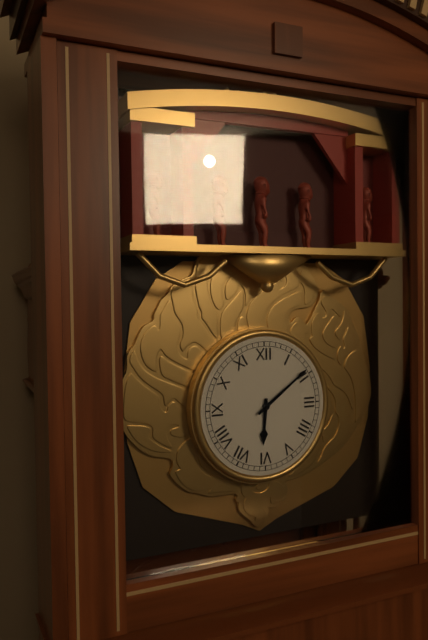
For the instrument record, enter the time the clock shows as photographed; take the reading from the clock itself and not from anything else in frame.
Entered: 6:09
